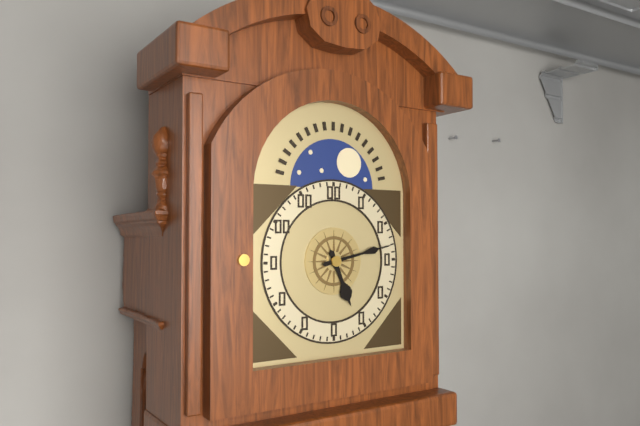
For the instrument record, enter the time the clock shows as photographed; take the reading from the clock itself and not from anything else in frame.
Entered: 5:13
